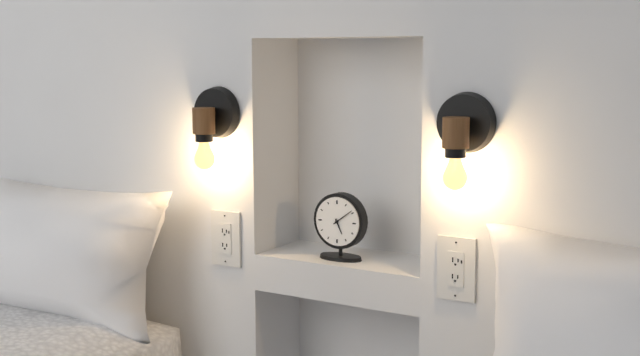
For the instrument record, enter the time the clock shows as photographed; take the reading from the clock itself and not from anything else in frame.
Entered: 5:09
